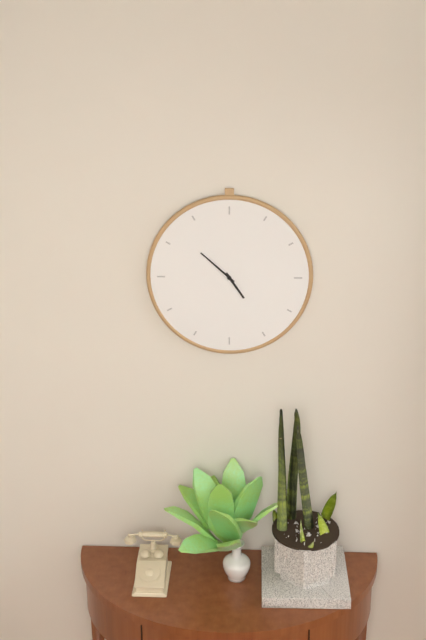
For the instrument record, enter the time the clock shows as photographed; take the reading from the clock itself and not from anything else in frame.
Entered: 4:52
